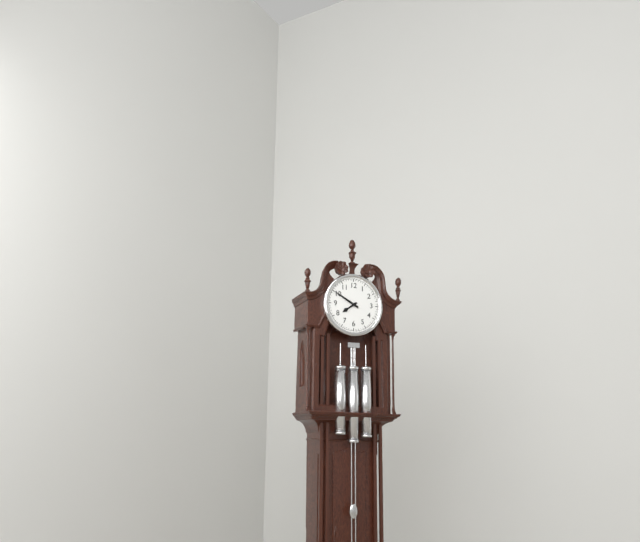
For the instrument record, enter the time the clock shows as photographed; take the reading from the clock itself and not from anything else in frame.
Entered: 7:50
